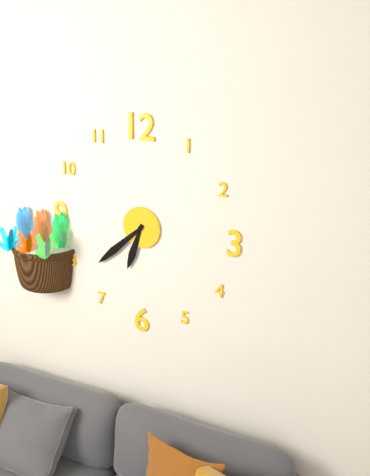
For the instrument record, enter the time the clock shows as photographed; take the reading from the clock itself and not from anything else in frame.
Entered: 6:38
